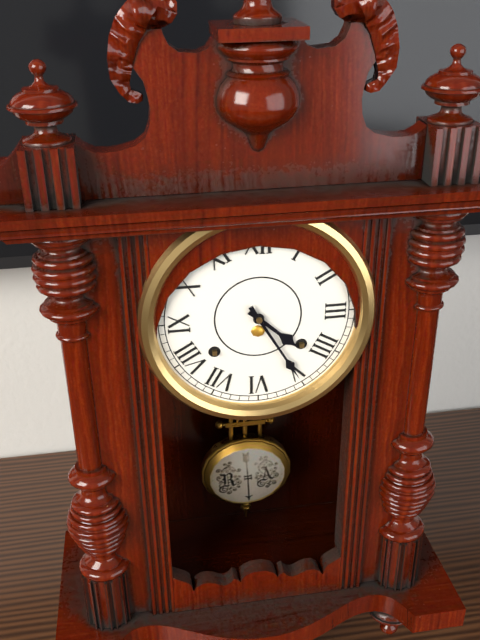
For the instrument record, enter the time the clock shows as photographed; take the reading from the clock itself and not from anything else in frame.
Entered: 4:25
